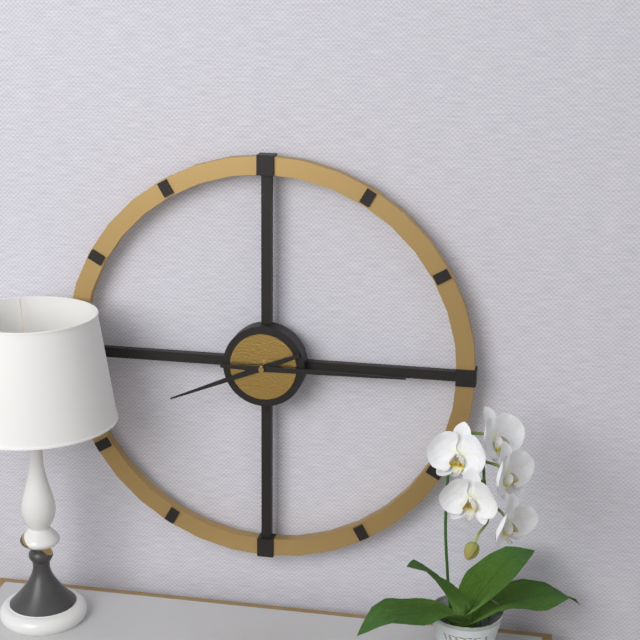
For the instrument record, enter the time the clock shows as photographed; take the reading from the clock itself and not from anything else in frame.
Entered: 8:15
